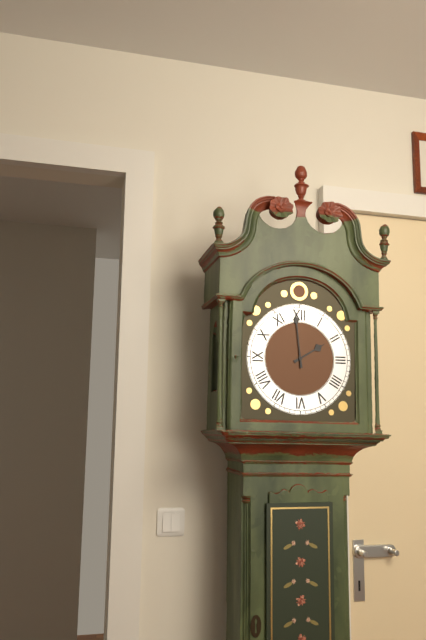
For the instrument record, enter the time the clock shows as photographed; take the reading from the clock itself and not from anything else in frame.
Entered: 1:59
